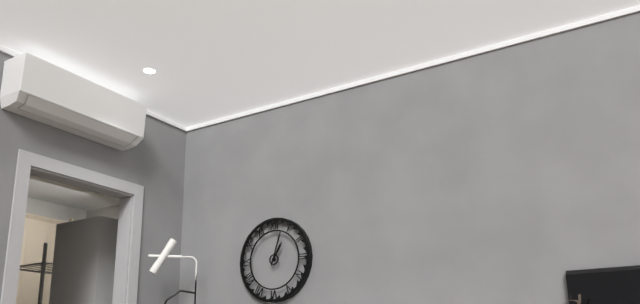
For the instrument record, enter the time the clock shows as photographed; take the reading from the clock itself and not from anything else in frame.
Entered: 1:03
